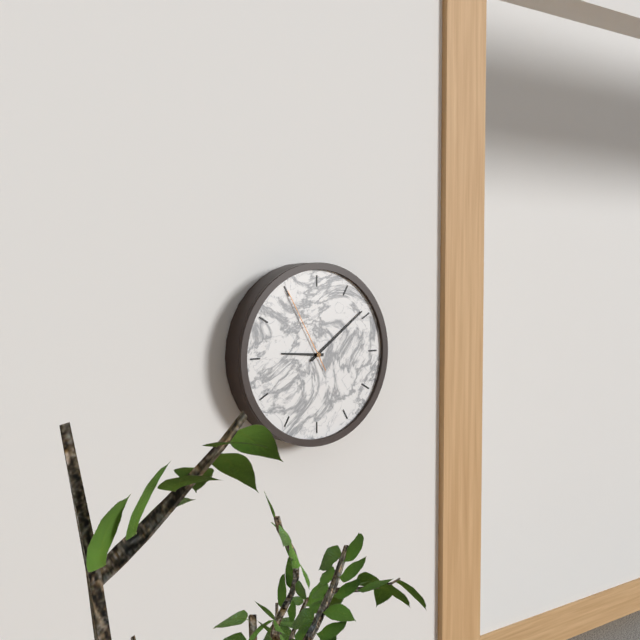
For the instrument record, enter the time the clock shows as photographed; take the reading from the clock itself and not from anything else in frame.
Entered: 9:09:55
